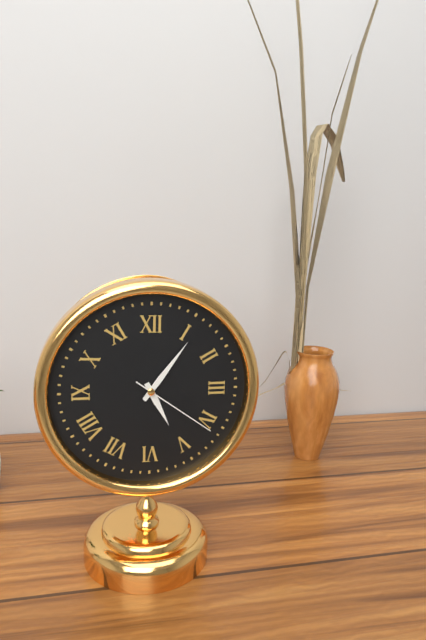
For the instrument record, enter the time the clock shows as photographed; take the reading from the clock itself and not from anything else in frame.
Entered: 5:06:21
